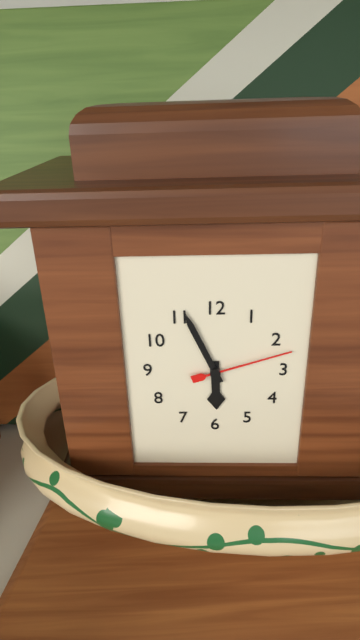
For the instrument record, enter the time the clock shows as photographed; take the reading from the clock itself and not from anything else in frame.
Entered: 5:56:12
